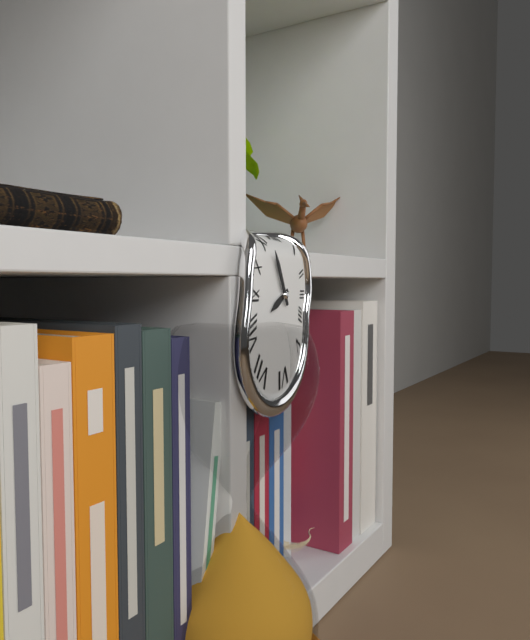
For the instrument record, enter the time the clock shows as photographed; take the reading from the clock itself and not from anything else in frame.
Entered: 7:56
